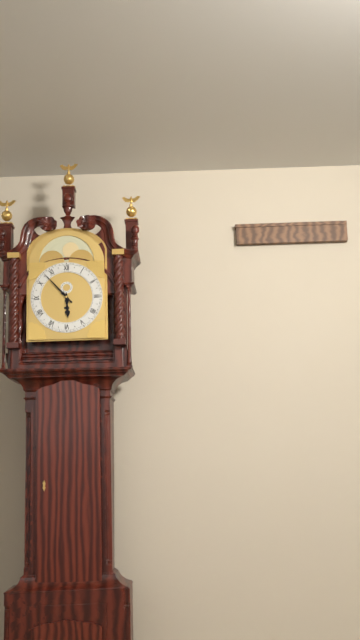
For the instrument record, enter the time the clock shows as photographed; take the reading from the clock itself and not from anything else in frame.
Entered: 5:53
